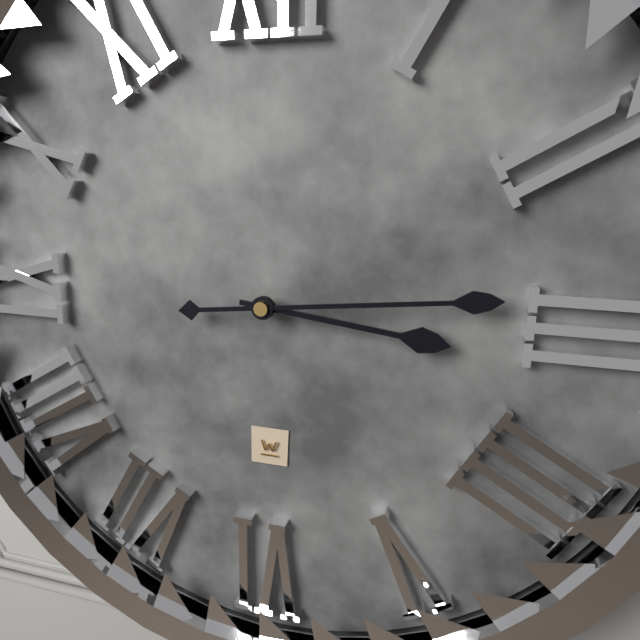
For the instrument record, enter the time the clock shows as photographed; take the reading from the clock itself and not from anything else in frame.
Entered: 3:14
